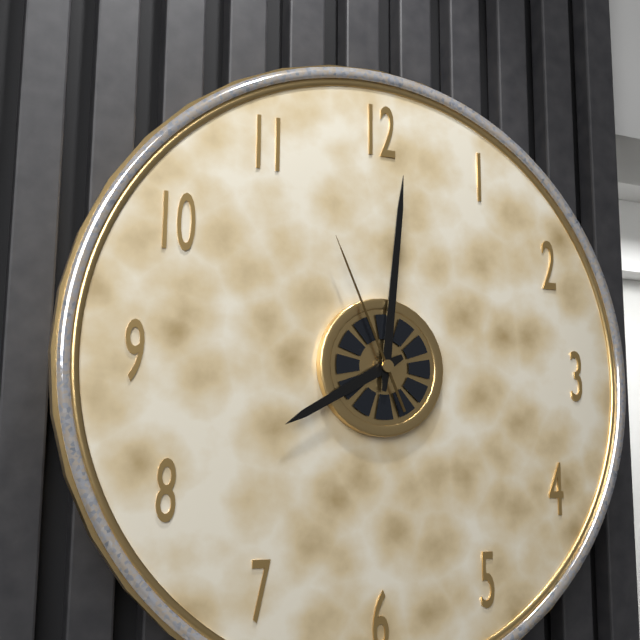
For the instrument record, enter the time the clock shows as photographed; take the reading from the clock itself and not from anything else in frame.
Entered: 8:01:56
